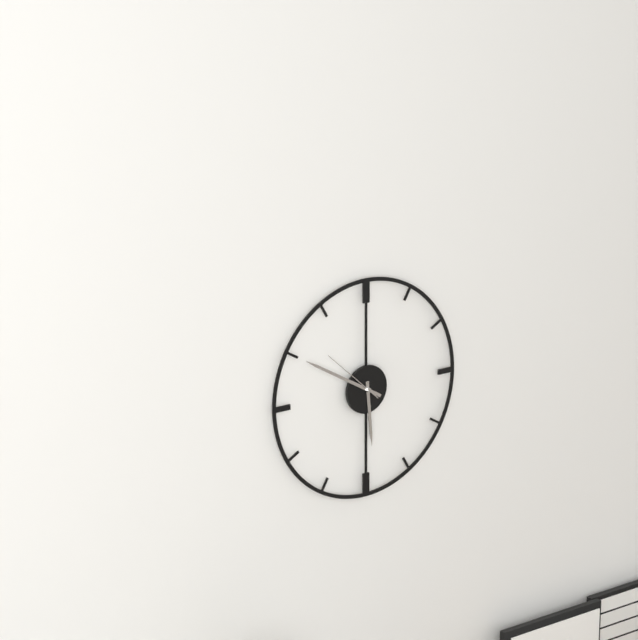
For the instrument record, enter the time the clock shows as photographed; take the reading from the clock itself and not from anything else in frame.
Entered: 5:50:52
